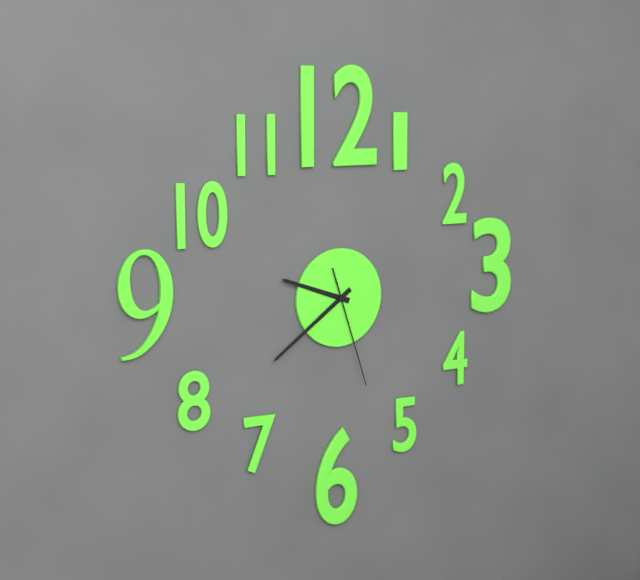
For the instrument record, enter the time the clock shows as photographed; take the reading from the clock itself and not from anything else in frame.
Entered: 9:39:27
